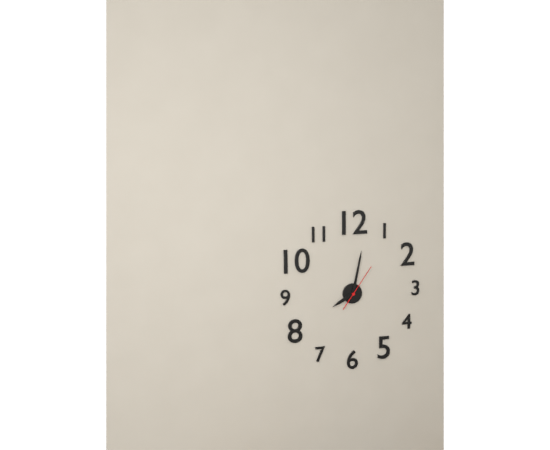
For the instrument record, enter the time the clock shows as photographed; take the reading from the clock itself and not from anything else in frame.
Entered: 8:02
